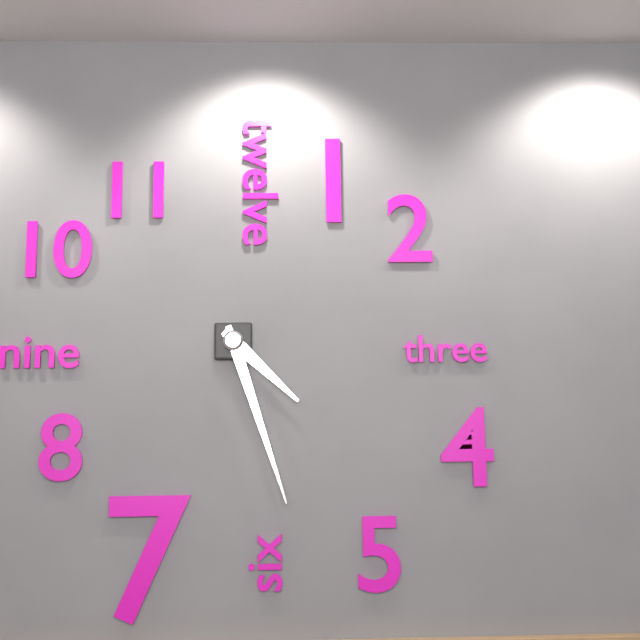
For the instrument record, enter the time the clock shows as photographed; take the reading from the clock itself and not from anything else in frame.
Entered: 4:27
